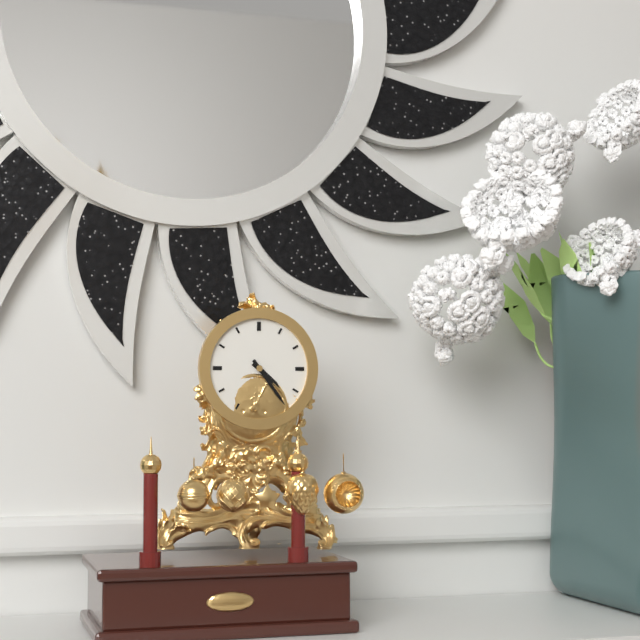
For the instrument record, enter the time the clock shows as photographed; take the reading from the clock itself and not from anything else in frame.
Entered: 4:24
